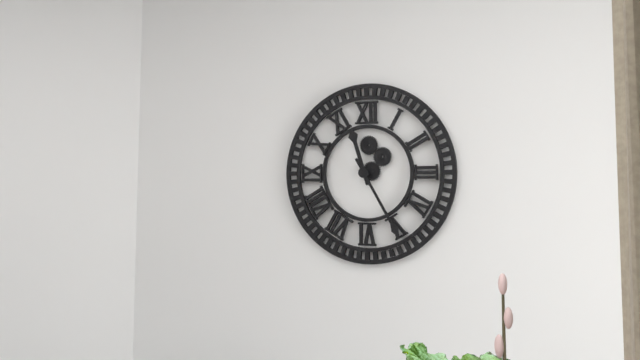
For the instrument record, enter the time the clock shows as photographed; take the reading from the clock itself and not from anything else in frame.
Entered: 11:25
